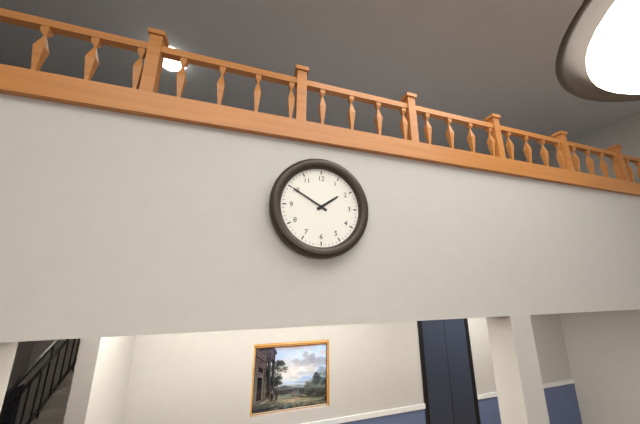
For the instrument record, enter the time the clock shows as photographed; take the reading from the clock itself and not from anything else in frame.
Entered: 1:50
